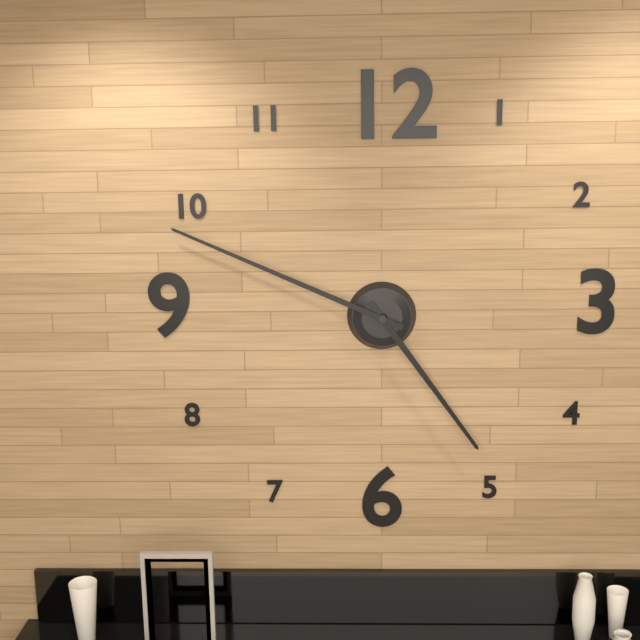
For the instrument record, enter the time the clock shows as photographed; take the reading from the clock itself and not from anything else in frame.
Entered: 4:49
